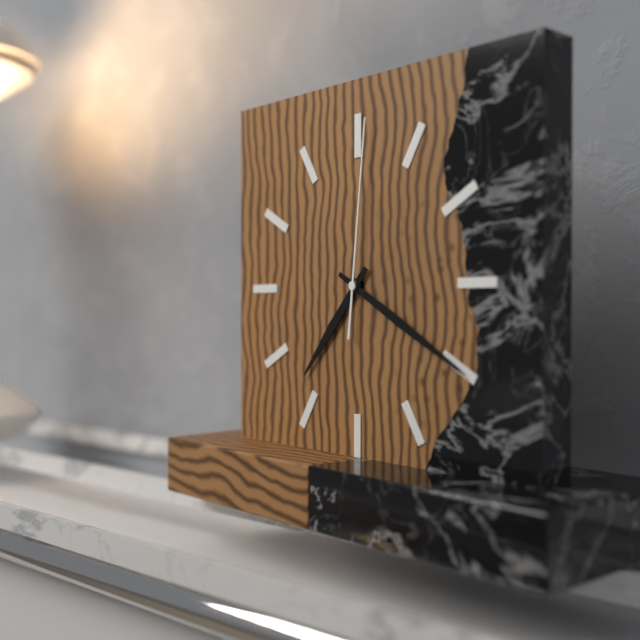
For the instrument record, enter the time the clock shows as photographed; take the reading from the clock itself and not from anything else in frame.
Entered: 7:20:01
